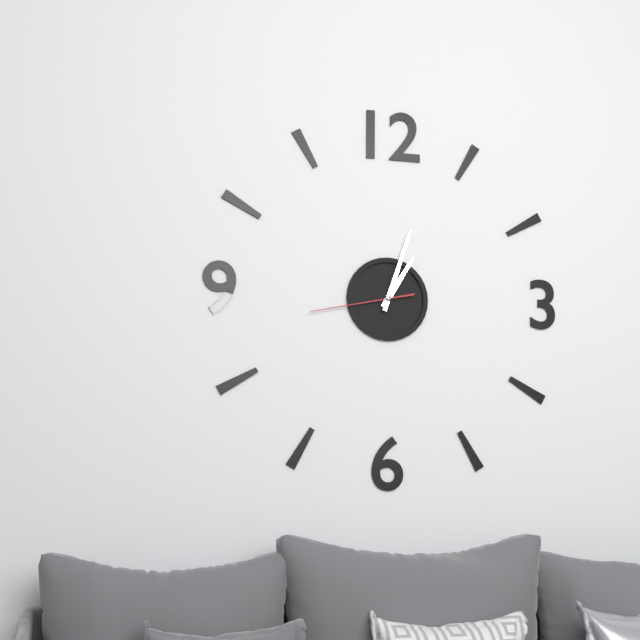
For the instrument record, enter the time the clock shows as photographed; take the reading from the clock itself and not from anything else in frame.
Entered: 1:03:43
